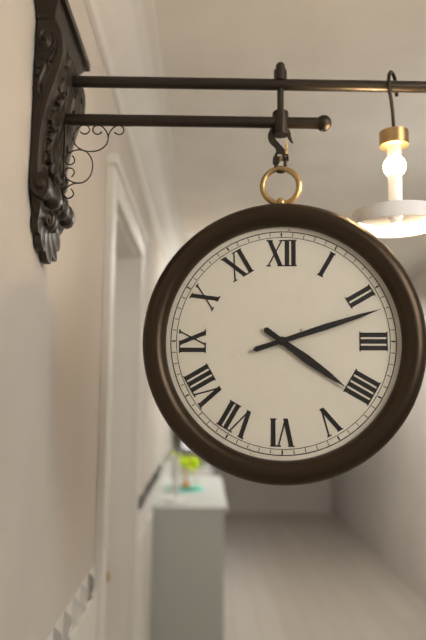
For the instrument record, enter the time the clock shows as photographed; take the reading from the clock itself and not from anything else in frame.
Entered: 4:12
